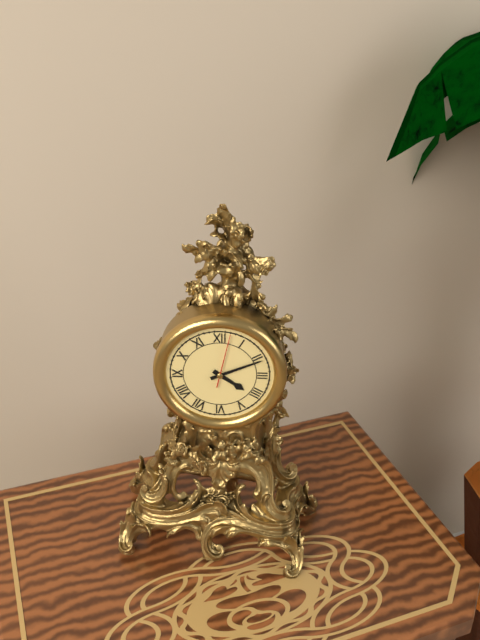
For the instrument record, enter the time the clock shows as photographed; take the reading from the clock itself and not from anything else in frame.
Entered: 4:11:02
